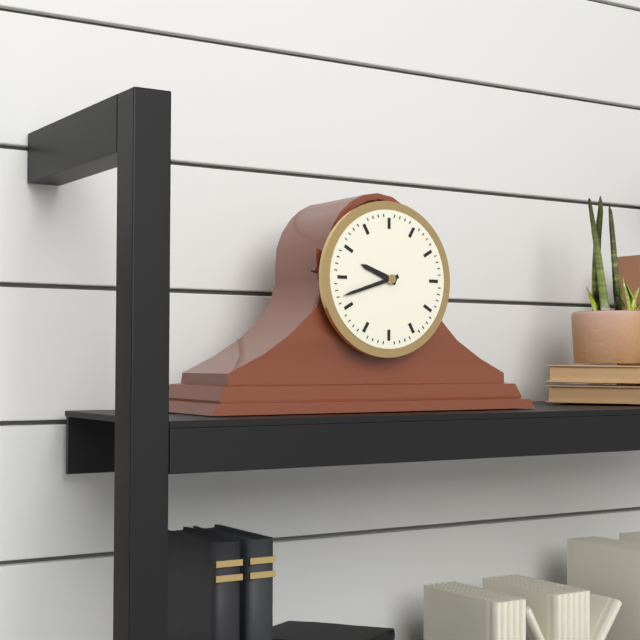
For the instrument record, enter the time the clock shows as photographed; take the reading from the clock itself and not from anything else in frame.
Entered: 9:42
